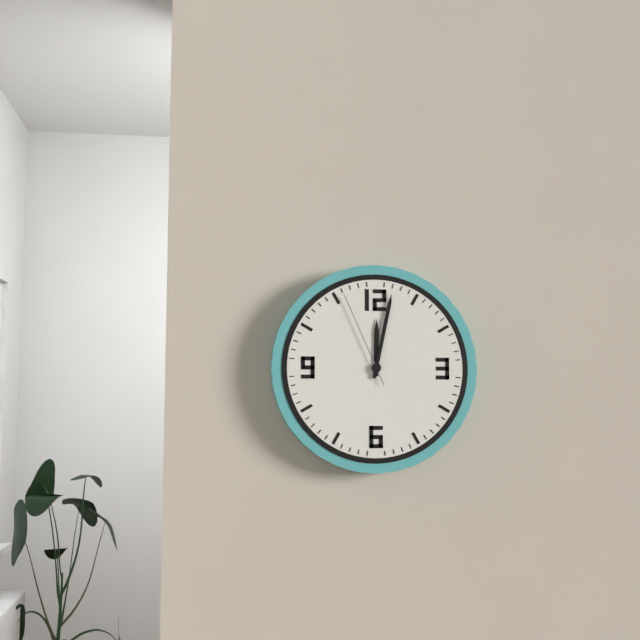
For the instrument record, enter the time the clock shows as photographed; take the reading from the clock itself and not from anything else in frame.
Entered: 12:02:56
